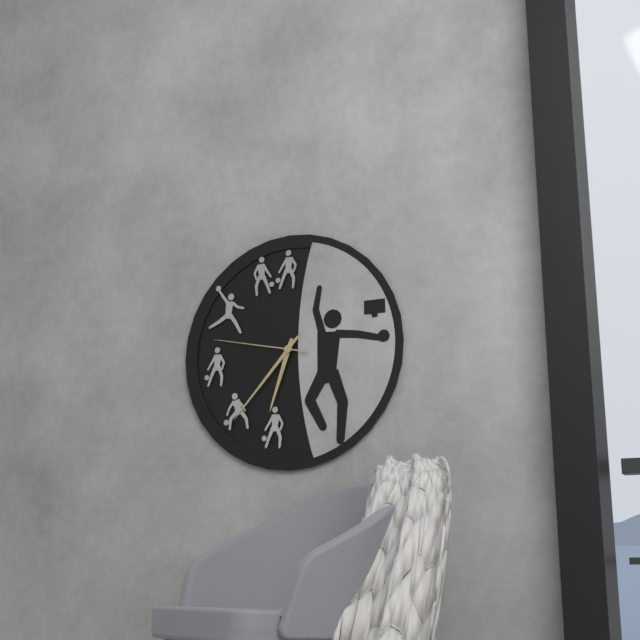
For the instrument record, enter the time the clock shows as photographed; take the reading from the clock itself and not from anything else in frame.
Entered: 6:37:47
